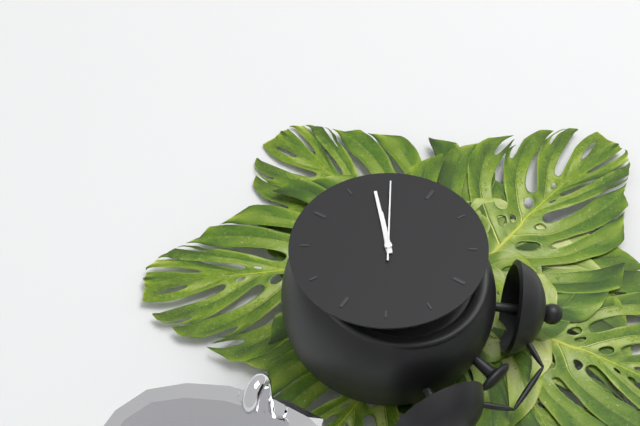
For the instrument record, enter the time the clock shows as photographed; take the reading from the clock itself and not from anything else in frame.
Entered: 7:38:40
